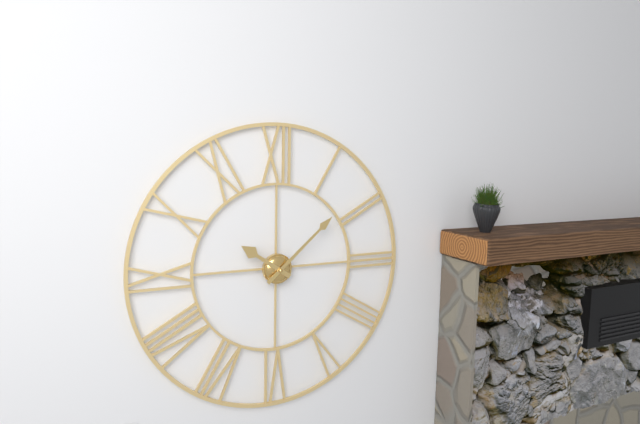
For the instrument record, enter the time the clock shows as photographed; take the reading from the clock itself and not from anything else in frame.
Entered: 10:08
